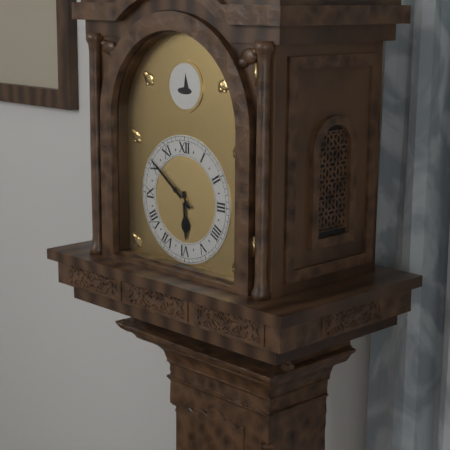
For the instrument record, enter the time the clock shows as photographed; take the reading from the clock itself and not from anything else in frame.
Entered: 5:51
